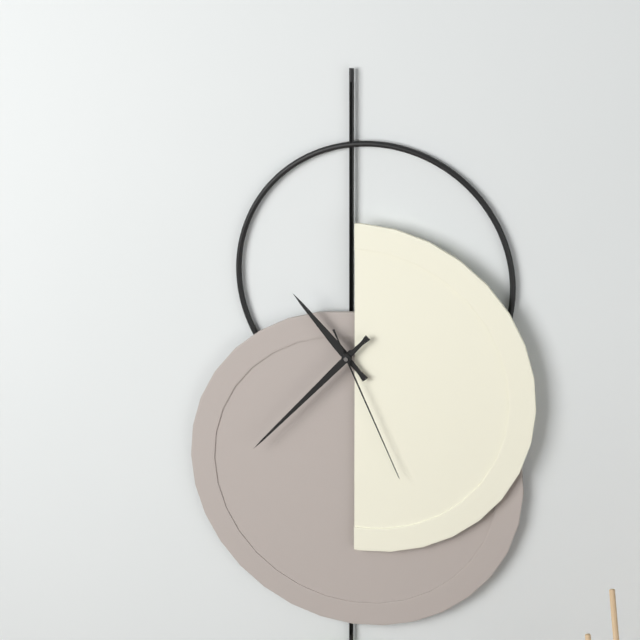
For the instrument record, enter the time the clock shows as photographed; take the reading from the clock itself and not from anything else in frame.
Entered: 10:37:26
